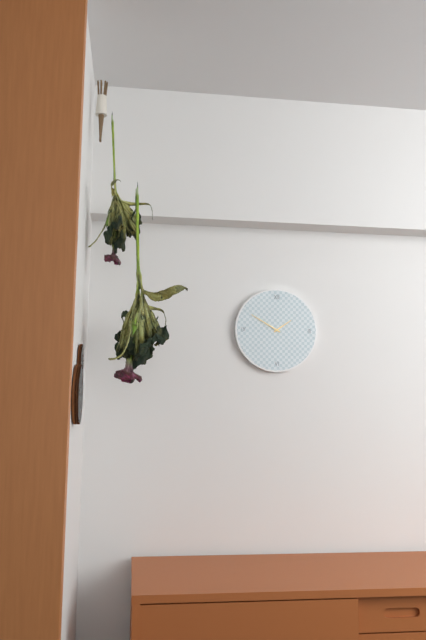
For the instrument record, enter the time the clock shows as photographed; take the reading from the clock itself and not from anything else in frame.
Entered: 1:50
